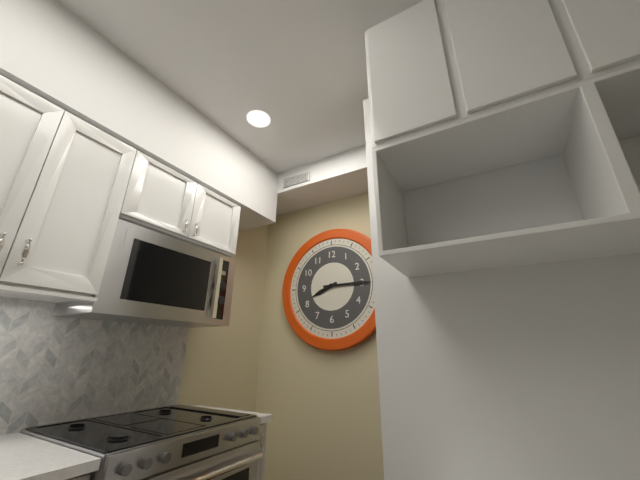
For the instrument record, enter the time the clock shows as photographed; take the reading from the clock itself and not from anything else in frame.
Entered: 8:15
